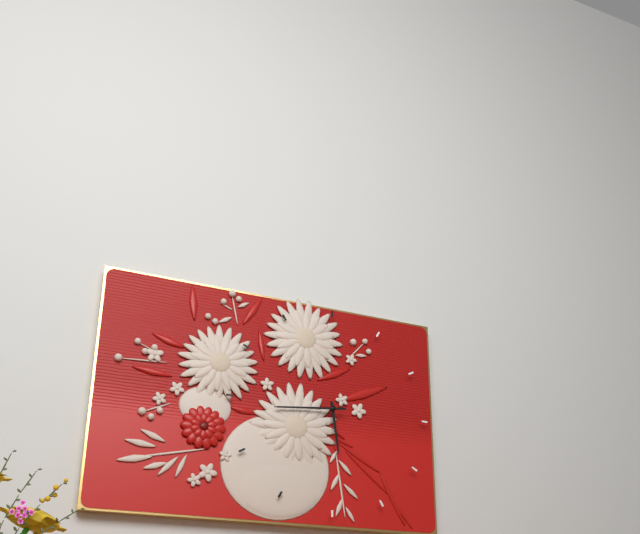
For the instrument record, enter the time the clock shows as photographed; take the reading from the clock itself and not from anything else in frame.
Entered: 5:44
